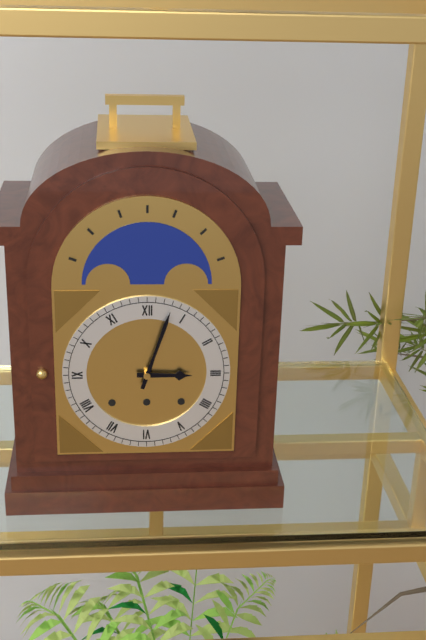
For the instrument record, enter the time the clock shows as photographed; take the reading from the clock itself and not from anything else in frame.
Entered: 3:03
